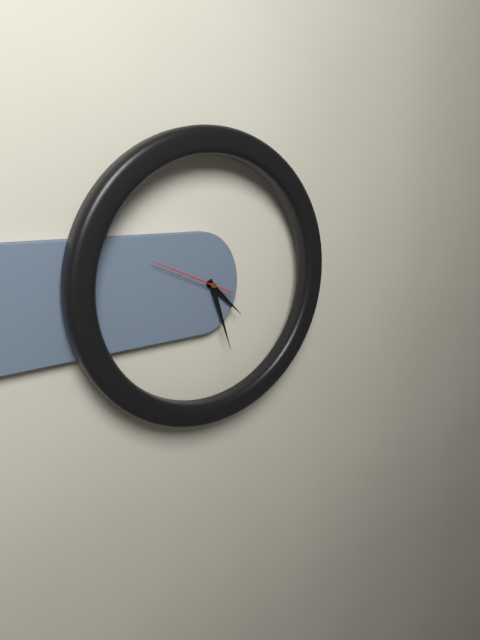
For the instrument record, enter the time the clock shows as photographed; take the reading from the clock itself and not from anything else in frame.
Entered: 4:27:49
